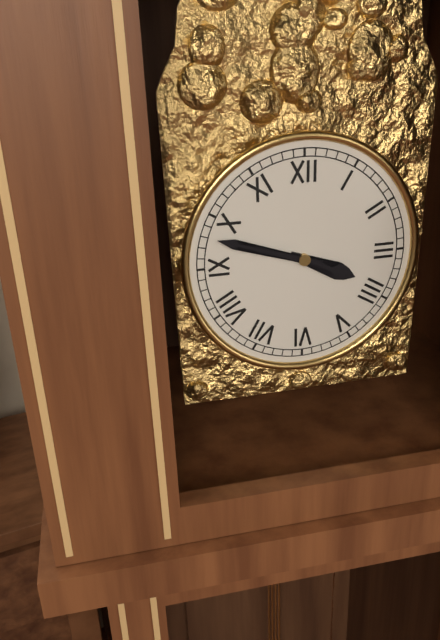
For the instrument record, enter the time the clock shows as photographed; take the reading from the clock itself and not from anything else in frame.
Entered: 3:48
